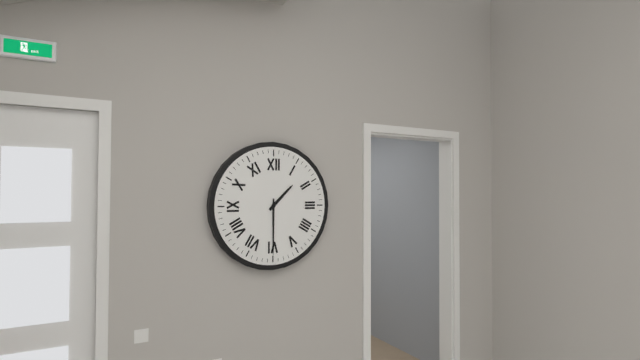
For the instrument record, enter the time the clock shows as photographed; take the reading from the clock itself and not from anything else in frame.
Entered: 1:30
